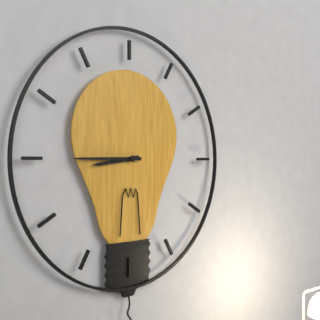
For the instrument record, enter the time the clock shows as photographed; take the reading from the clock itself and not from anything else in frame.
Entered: 8:45
